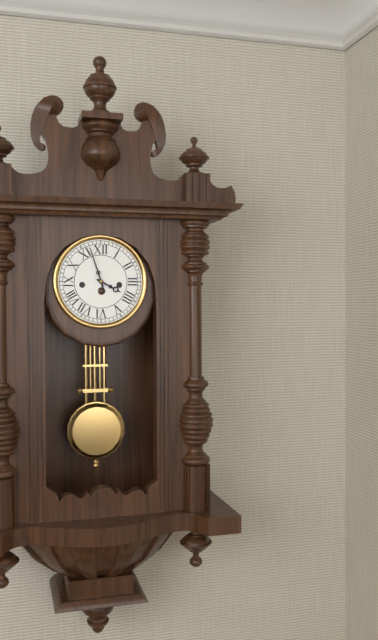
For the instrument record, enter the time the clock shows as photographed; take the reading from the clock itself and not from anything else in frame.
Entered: 3:57
